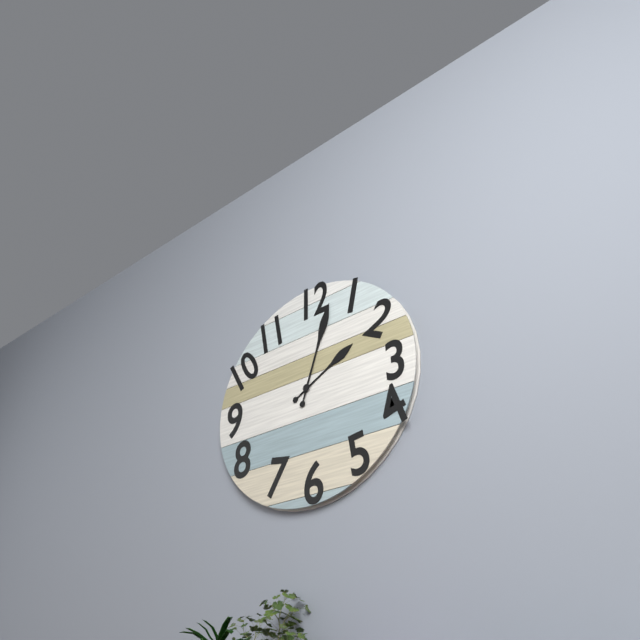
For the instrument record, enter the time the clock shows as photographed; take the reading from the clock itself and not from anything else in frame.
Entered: 2:03
